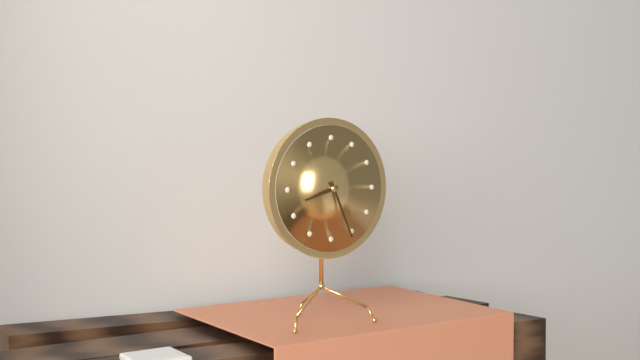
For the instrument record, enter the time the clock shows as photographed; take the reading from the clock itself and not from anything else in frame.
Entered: 8:26
